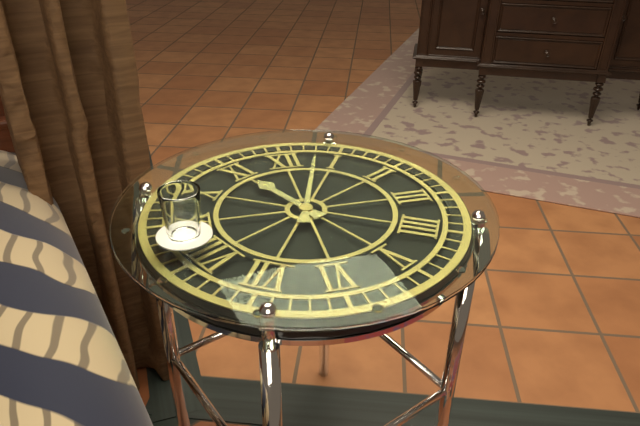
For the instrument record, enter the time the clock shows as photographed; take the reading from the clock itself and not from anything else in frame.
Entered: 11:03
